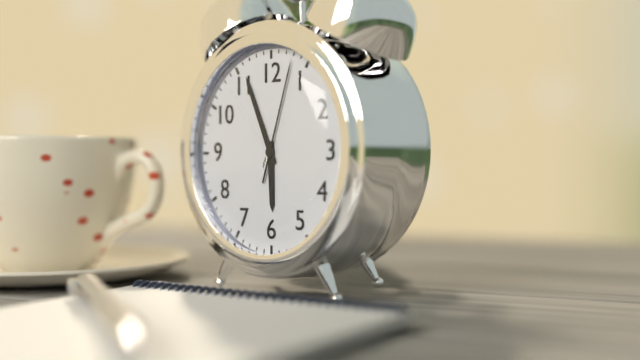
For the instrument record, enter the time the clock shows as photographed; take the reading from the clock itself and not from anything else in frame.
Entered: 5:56:03
